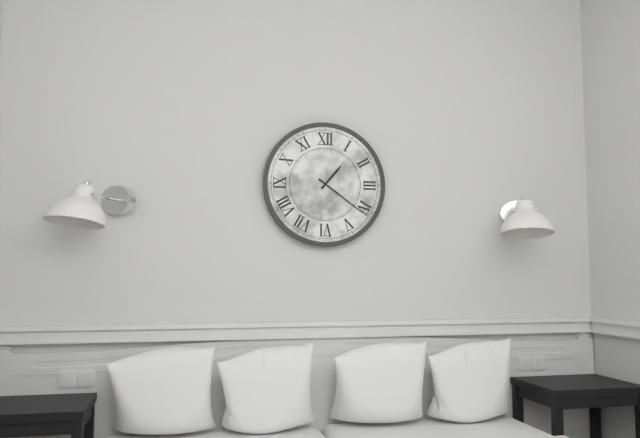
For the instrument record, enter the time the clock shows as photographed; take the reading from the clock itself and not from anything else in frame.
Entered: 1:21
